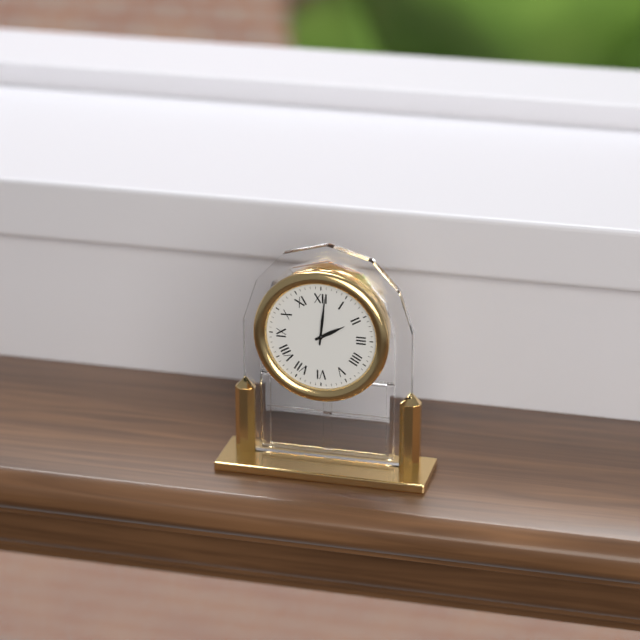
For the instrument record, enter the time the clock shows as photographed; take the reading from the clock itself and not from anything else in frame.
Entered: 2:01
